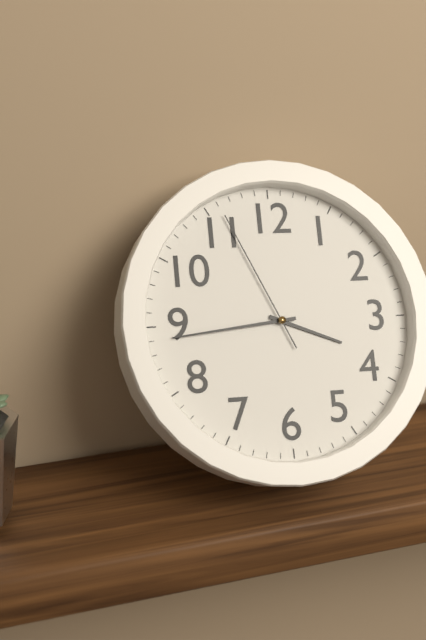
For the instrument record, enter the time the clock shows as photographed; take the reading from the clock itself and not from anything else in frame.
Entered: 3:44:56
